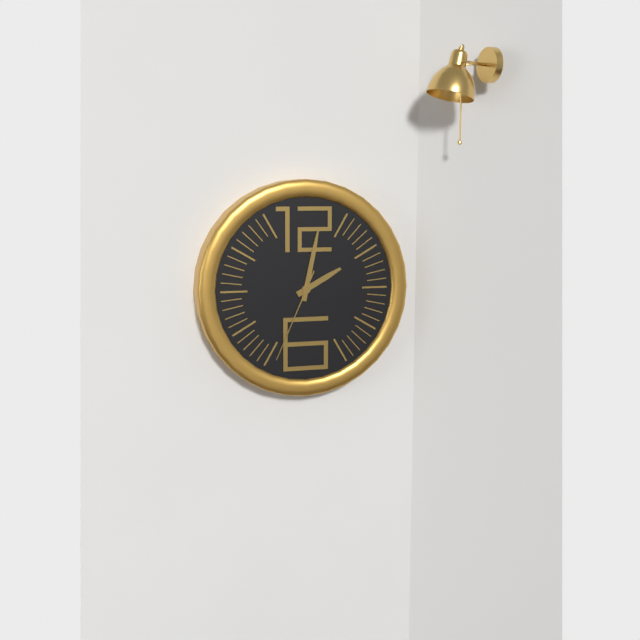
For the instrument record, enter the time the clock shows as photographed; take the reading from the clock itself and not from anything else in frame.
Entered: 2:02:34
